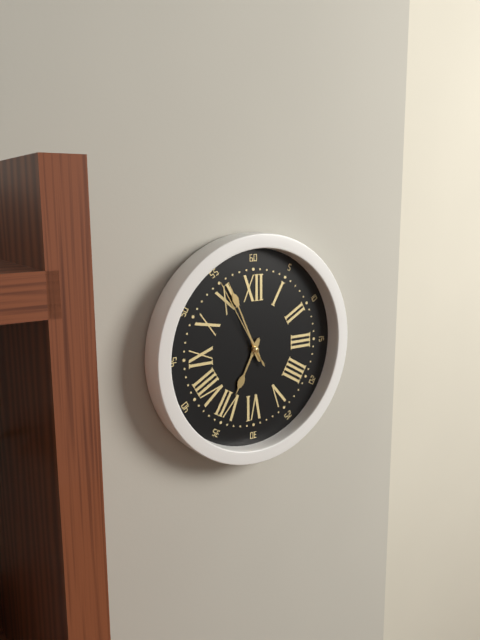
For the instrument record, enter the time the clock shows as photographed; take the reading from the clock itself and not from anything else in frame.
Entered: 6:56:55
